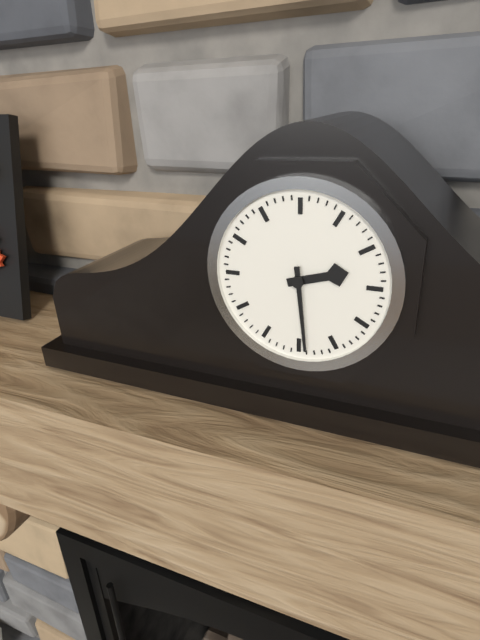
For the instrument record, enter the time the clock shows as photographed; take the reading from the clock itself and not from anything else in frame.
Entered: 2:29
